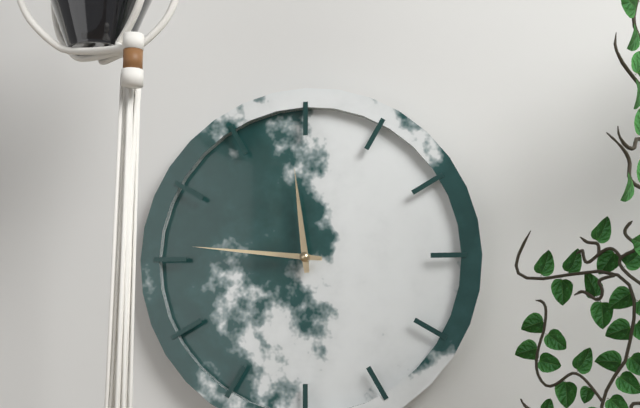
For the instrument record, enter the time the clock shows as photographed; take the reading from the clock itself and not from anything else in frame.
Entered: 11:46
